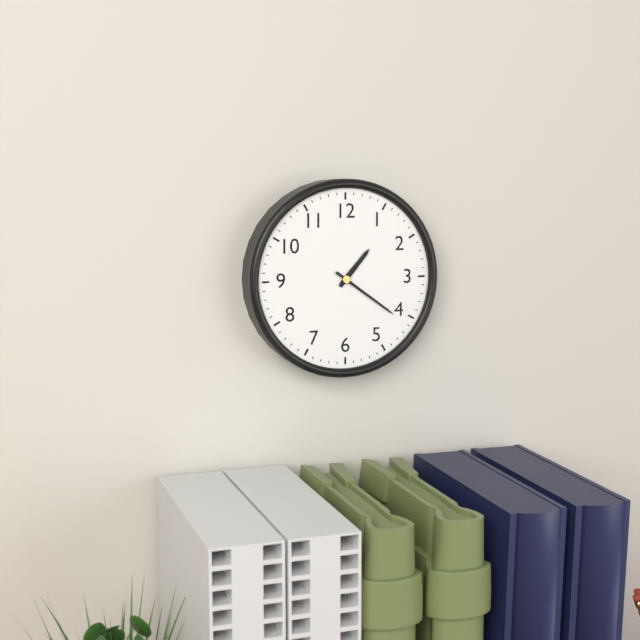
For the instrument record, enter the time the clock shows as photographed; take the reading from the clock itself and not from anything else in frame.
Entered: 1:21
